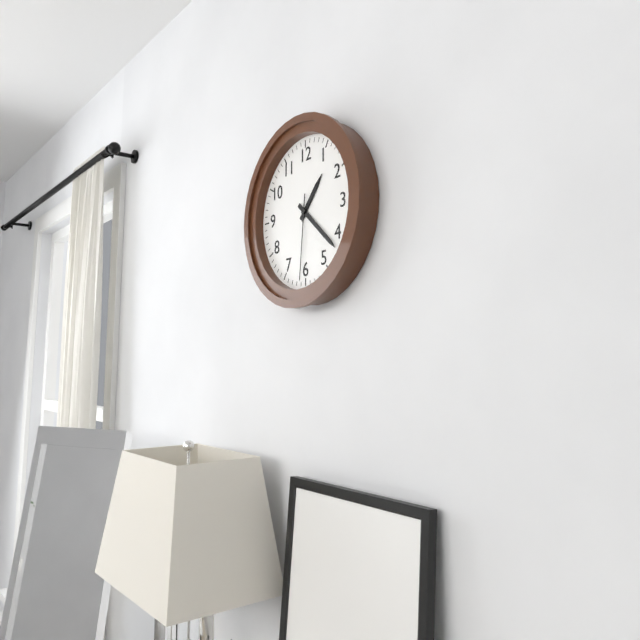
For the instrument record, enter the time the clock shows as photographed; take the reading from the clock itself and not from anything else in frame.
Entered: 1:22:31
